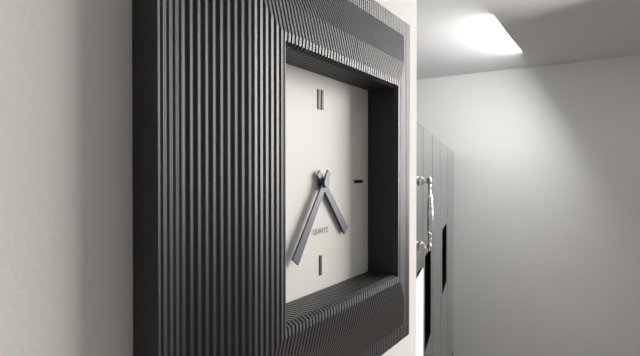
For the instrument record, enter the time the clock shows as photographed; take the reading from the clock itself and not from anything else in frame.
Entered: 4:36
